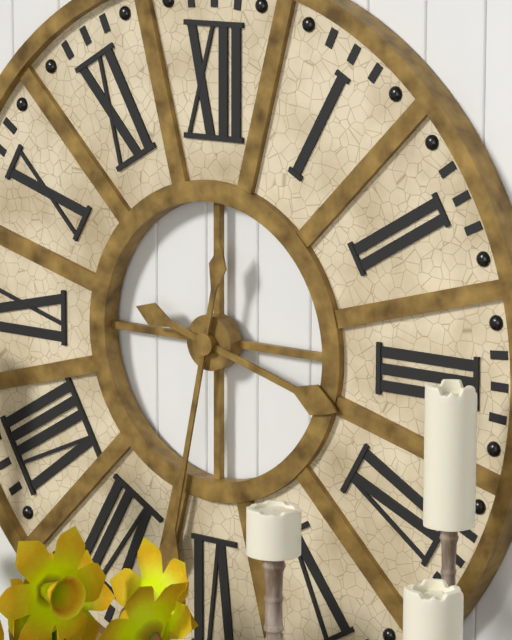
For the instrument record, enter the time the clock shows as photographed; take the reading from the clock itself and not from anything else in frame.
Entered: 3:32
